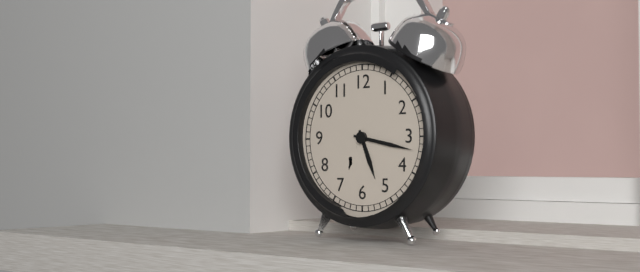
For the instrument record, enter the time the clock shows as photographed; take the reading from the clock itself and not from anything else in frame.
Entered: 5:17
